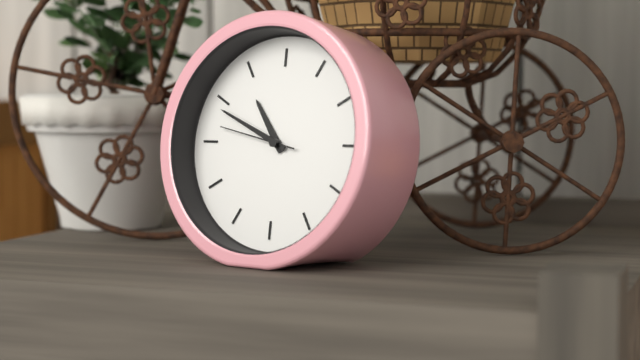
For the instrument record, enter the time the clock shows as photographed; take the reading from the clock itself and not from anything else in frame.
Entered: 10:49:47
